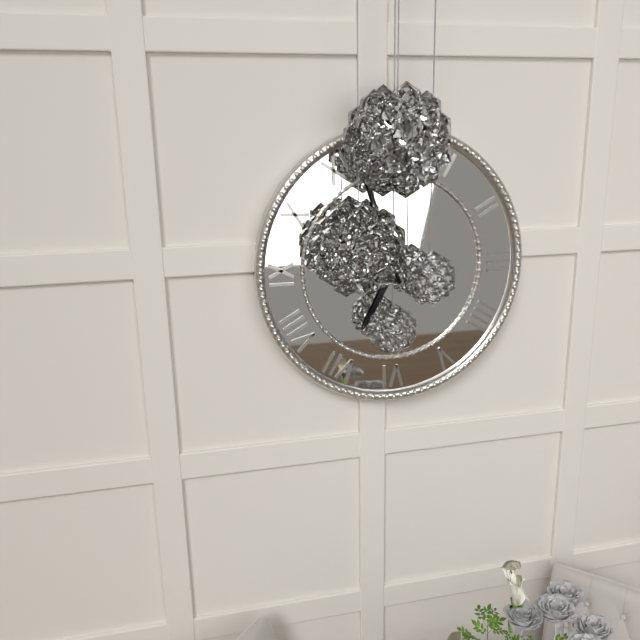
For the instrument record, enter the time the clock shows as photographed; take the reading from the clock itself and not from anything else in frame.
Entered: 6:57
